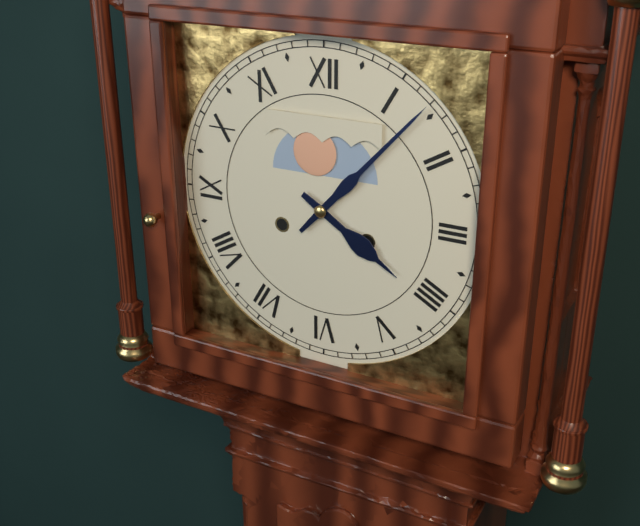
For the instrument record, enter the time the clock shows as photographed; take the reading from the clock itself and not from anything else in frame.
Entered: 4:07
